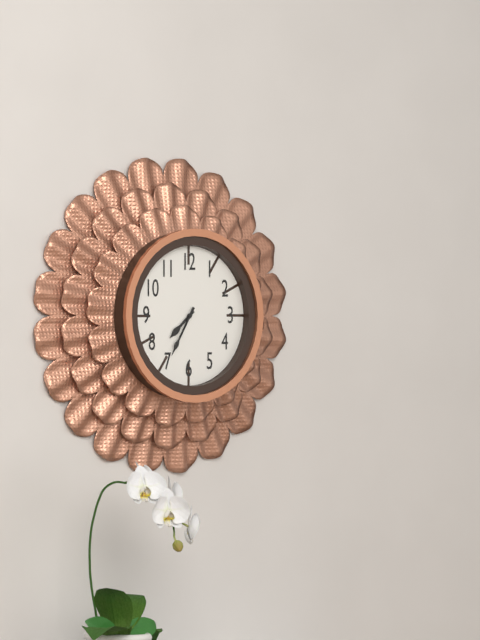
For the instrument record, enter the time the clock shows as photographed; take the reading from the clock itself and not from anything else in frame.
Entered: 7:35
